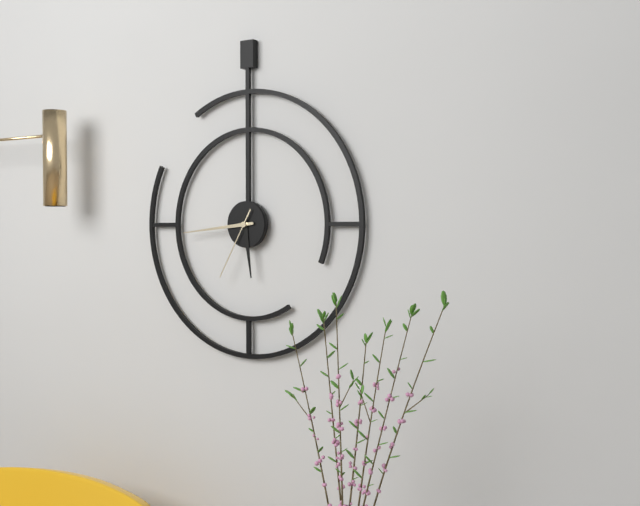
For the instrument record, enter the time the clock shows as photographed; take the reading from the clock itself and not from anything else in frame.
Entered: 5:44:35
